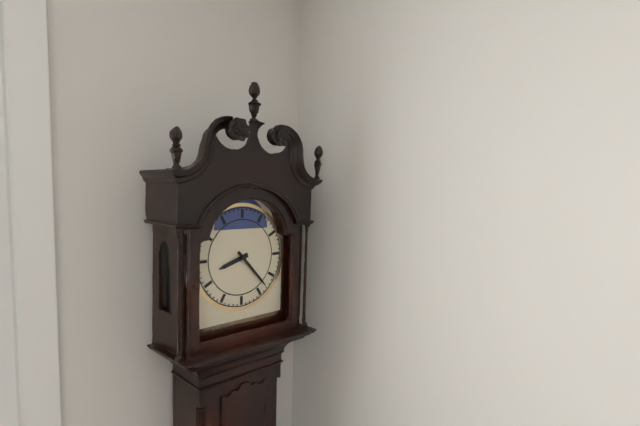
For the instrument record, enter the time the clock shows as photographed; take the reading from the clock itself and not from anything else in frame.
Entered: 8:23
